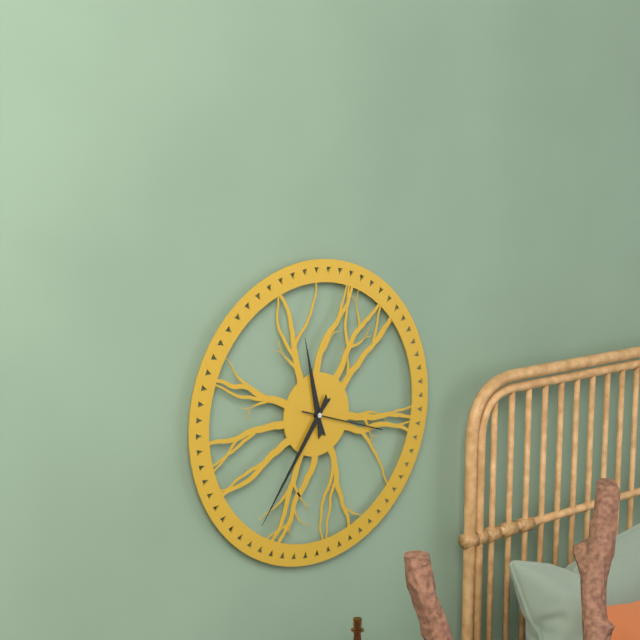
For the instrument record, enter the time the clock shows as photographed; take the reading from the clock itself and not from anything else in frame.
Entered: 11:36:18
